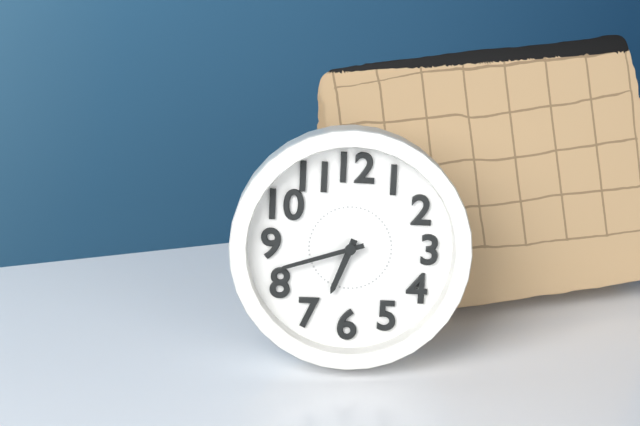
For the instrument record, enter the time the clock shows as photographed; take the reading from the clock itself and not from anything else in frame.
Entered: 6:42
